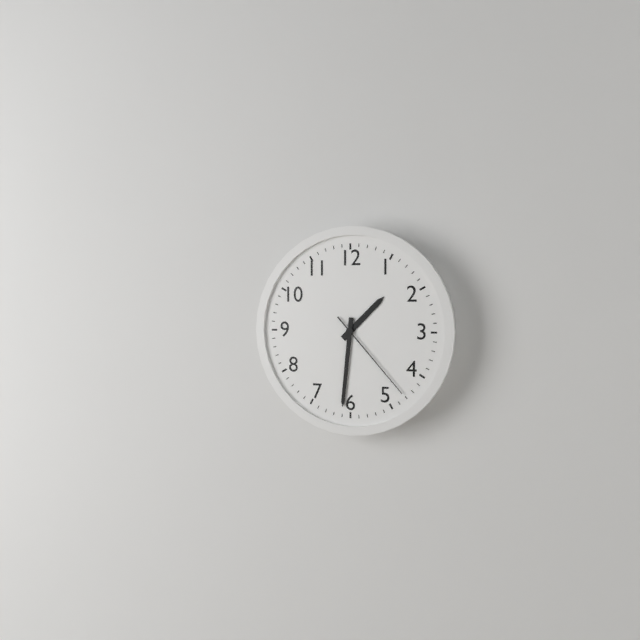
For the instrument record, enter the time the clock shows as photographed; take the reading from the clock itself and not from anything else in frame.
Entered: 1:31:23
